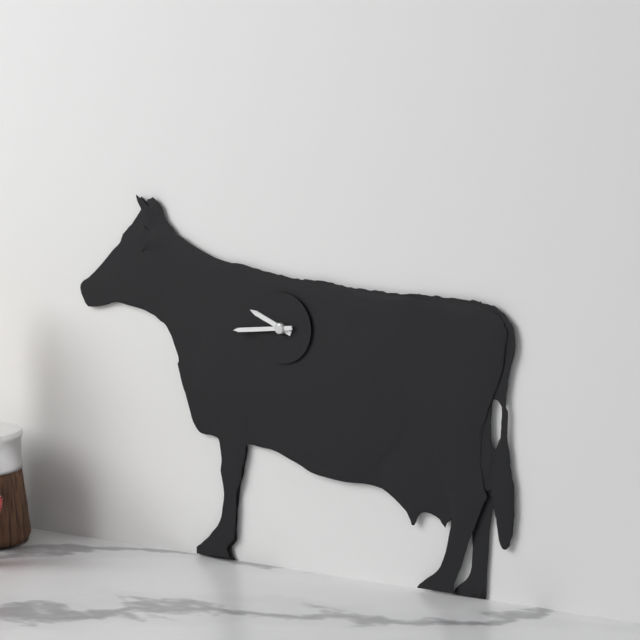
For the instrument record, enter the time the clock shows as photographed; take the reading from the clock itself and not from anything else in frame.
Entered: 9:44
